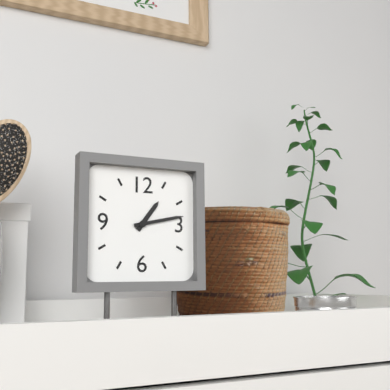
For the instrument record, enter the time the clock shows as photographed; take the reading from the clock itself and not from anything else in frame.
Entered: 1:13
